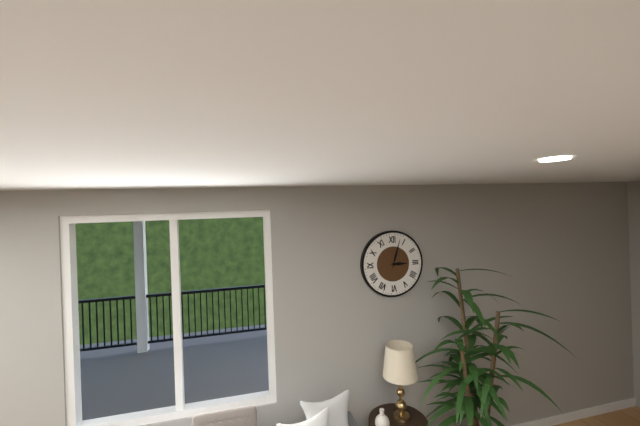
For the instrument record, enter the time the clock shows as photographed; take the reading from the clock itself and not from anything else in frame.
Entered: 3:03
